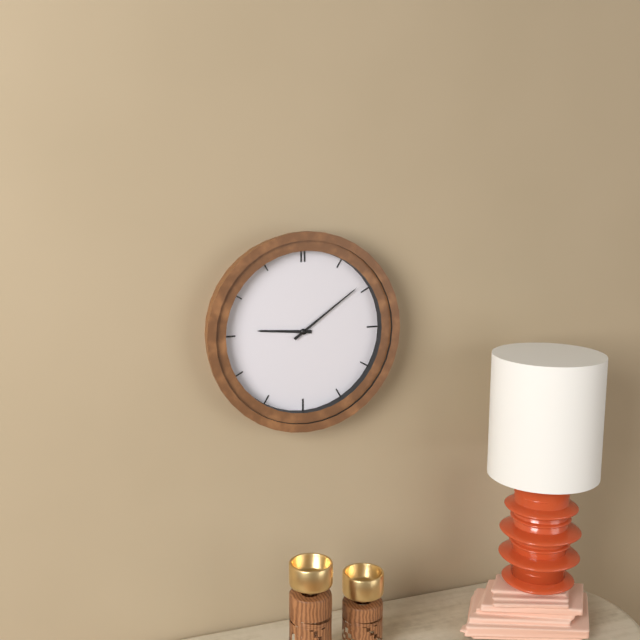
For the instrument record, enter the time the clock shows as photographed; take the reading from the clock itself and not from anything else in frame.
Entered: 9:09
